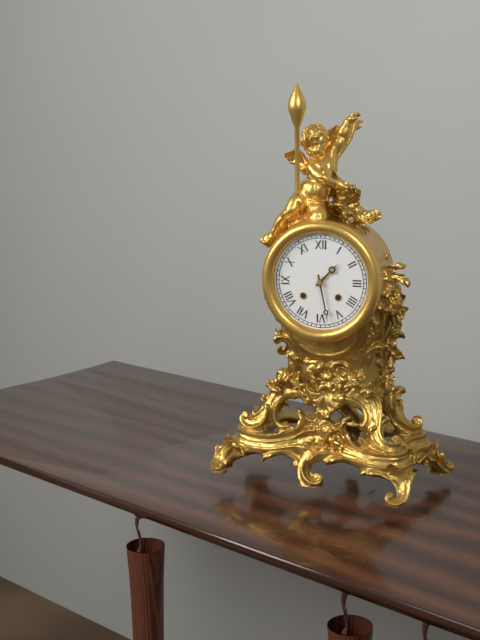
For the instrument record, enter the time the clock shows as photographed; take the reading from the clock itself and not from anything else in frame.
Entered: 1:28
